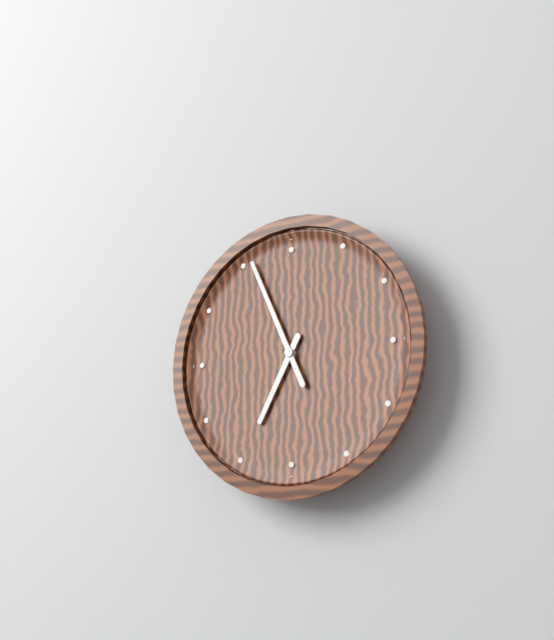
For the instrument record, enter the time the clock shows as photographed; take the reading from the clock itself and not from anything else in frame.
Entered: 6:56
